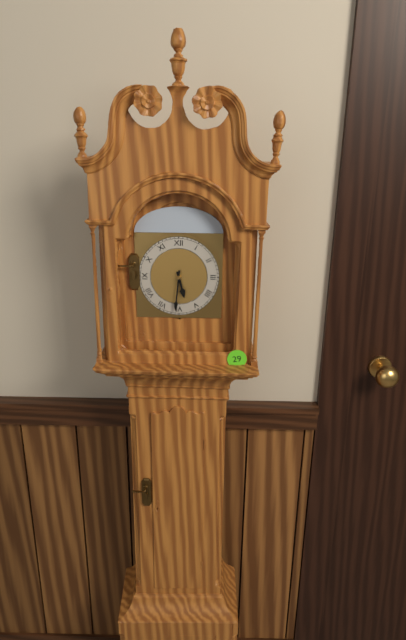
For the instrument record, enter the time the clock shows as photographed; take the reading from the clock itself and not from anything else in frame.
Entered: 5:31
